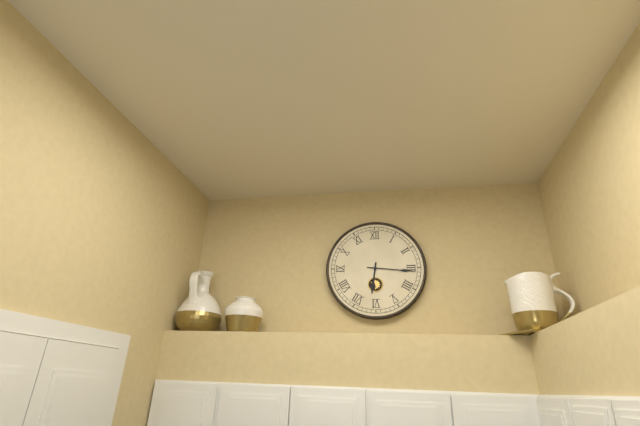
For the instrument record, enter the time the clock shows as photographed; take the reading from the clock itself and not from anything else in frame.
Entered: 6:16
